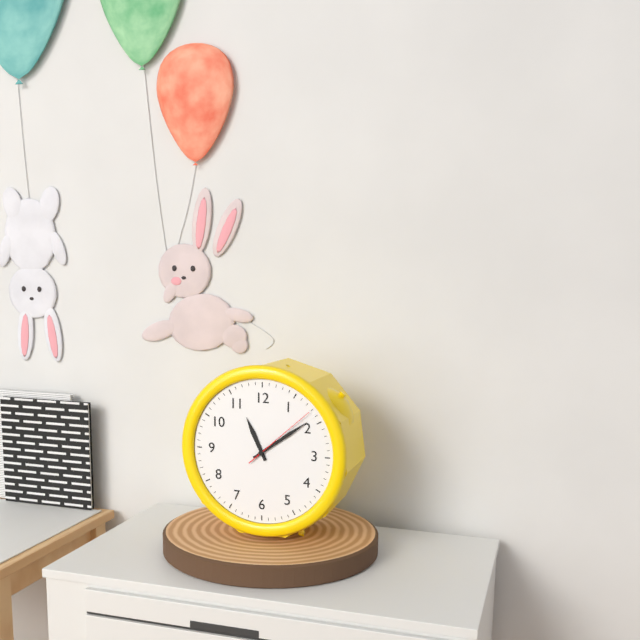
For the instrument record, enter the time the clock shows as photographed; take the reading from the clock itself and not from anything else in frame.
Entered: 11:09:08
